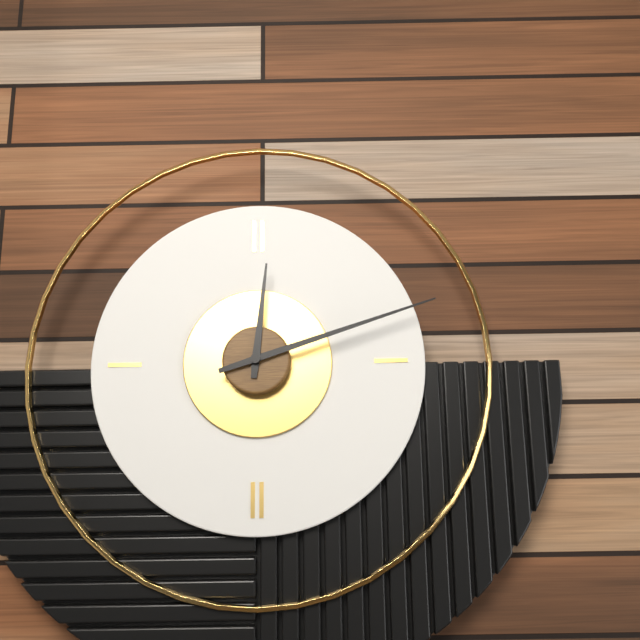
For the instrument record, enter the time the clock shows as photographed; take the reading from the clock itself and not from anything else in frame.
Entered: 12:12
